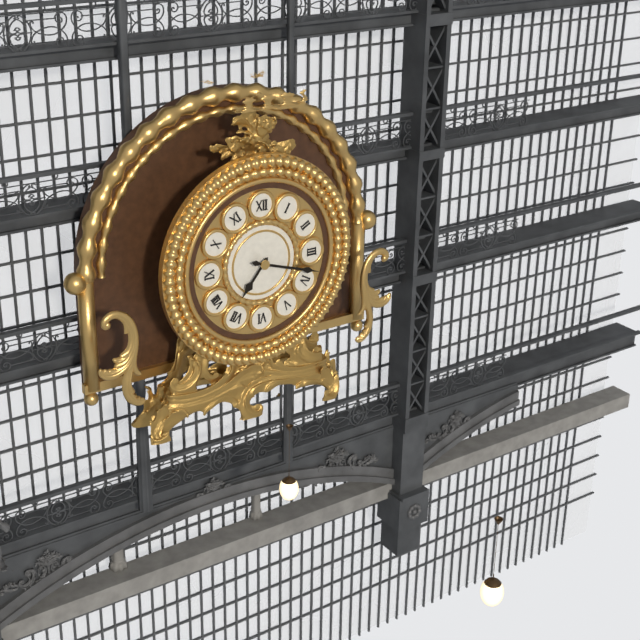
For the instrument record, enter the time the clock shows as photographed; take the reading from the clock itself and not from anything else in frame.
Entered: 7:18
